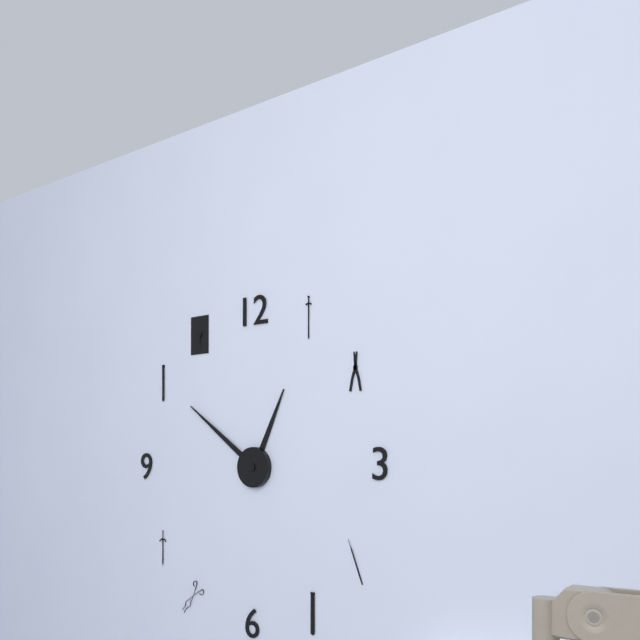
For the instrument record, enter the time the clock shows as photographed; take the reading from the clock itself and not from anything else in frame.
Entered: 12:51
